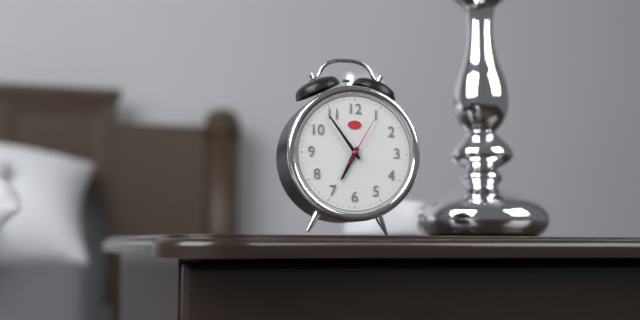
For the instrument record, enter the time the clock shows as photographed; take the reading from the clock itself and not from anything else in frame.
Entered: 6:54:05
